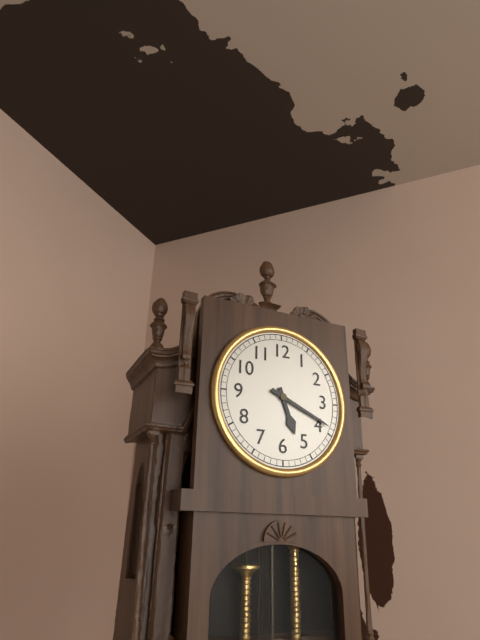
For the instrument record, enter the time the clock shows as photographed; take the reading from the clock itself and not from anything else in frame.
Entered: 5:19
